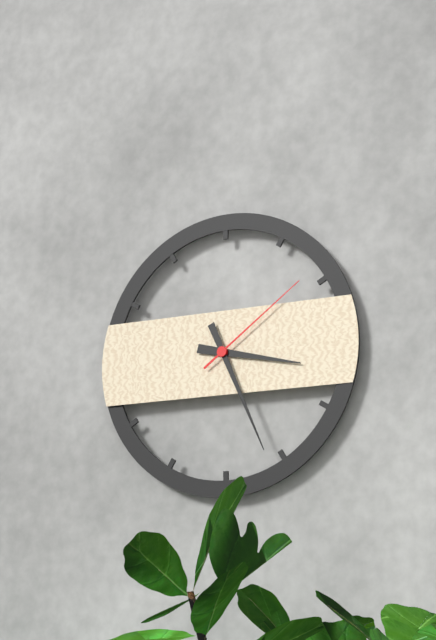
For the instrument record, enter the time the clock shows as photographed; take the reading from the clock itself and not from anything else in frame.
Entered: 3:26:09
